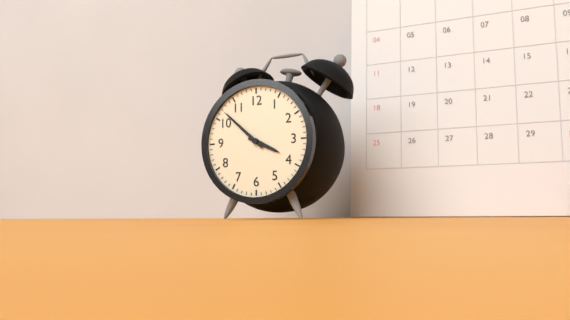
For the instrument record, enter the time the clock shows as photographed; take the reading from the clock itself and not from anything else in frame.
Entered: 3:52
